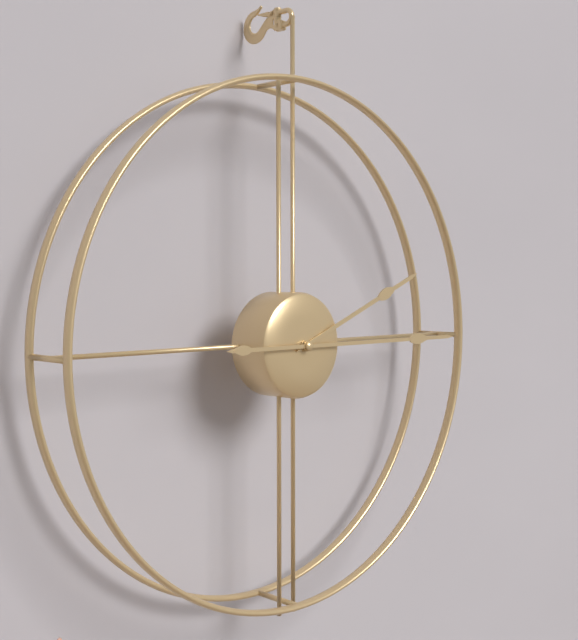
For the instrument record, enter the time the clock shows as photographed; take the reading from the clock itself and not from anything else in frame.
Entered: 2:15
